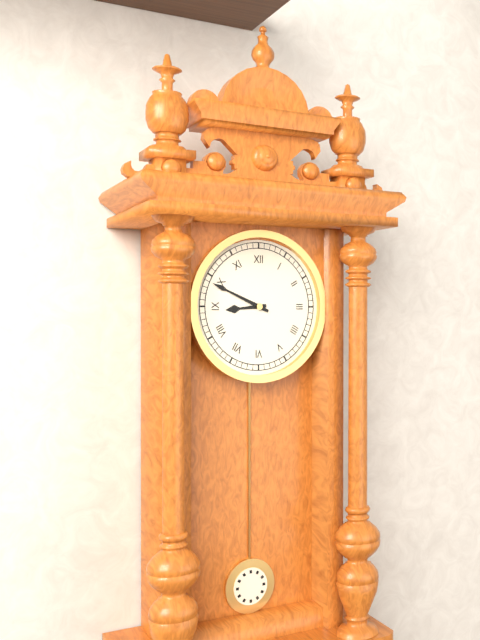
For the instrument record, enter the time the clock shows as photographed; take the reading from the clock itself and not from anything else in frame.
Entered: 8:49
